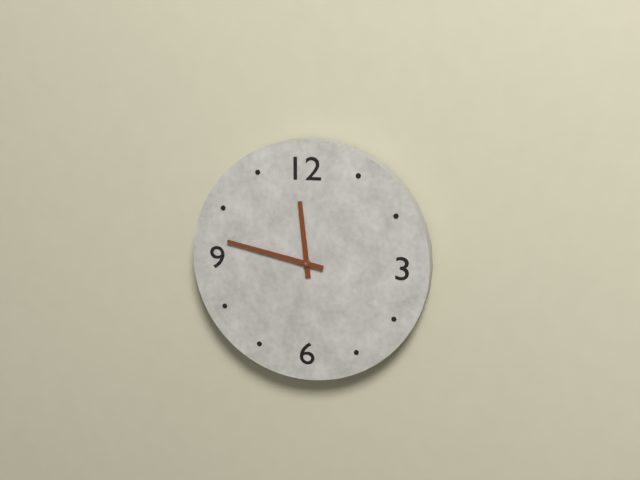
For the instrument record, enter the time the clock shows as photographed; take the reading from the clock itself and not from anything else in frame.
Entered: 11:47
